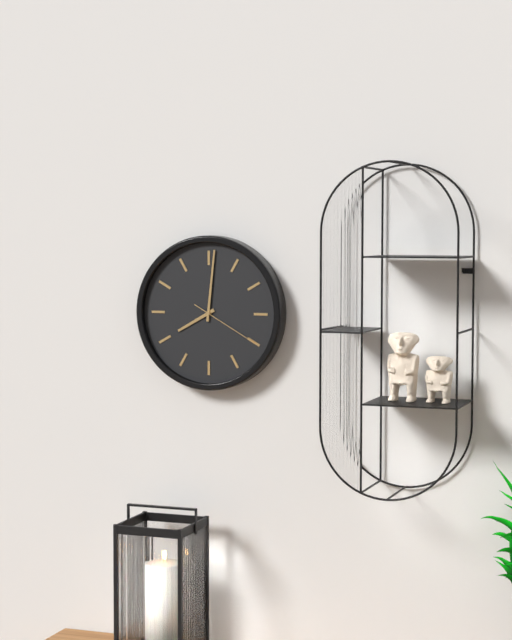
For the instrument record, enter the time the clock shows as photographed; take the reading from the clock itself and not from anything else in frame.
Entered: 8:01:20
